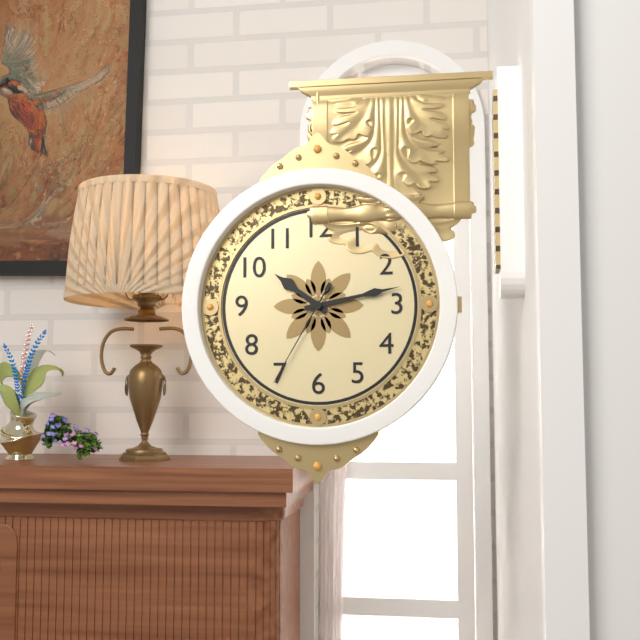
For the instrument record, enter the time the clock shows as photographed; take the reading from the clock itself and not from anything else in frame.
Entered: 10:13:35
